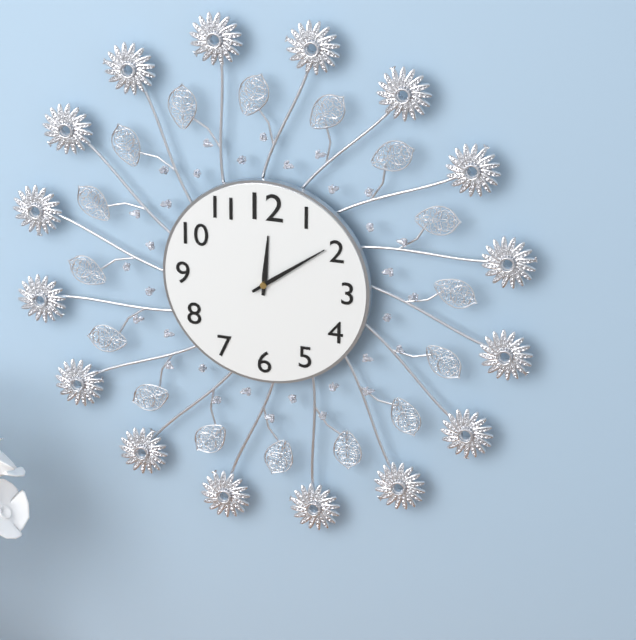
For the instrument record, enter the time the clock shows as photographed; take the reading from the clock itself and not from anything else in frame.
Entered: 12:09
